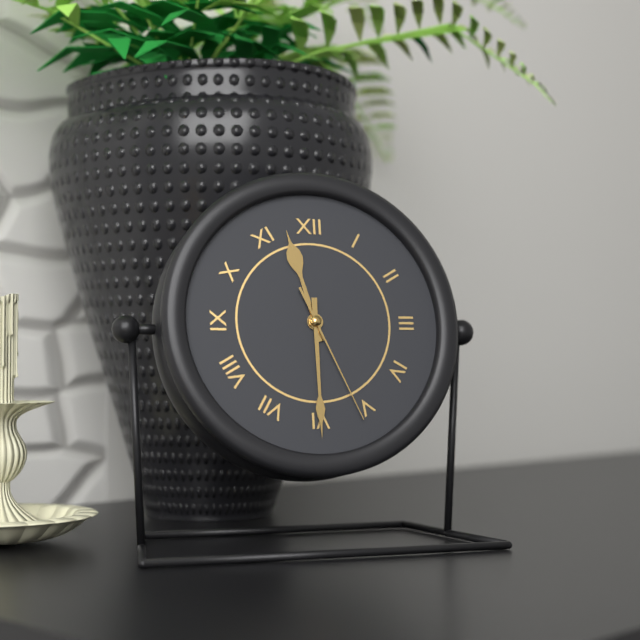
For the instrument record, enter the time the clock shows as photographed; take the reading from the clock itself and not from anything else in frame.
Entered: 11:30:26
